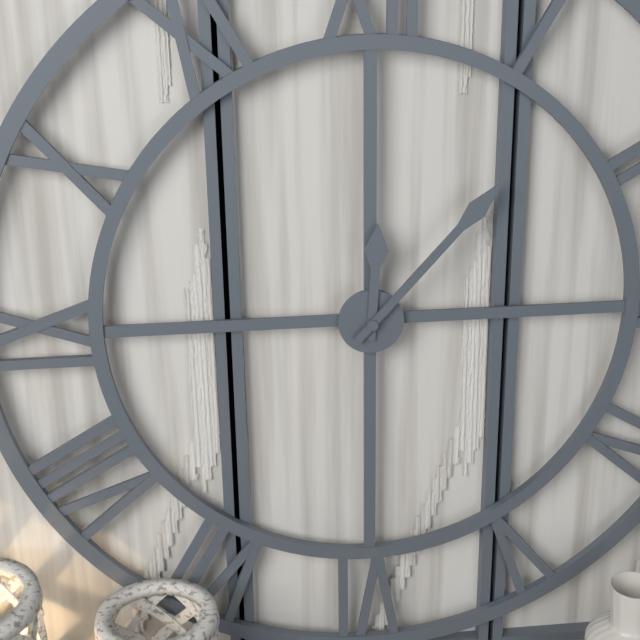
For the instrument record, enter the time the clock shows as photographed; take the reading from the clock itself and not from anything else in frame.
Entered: 12:07
